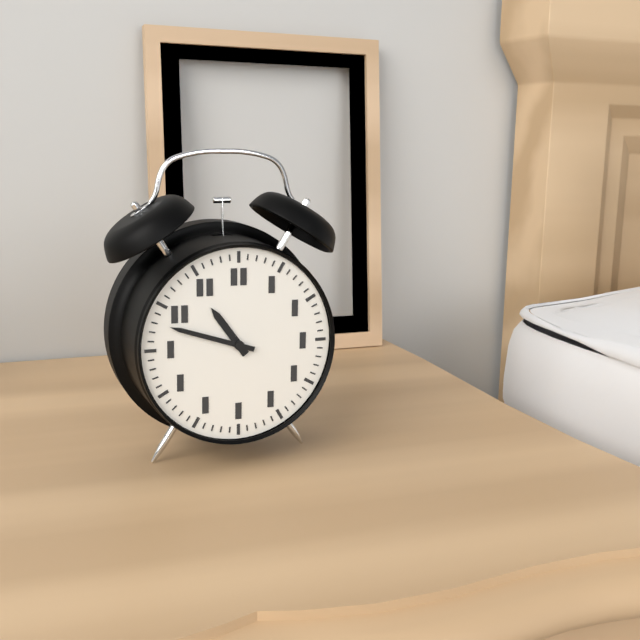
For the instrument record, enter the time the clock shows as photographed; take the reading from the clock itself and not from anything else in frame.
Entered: 10:48
